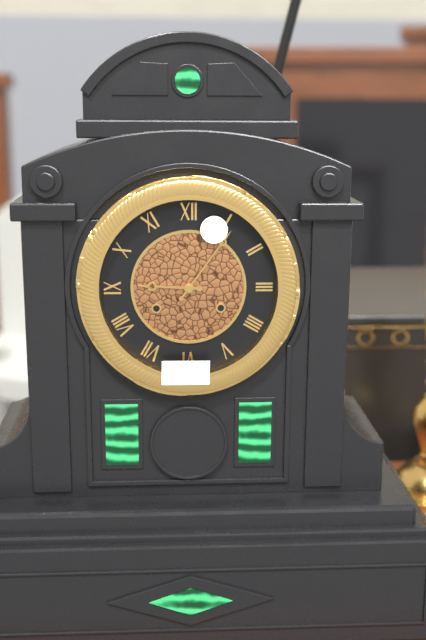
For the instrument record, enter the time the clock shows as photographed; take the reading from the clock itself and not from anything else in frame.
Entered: 9:06
